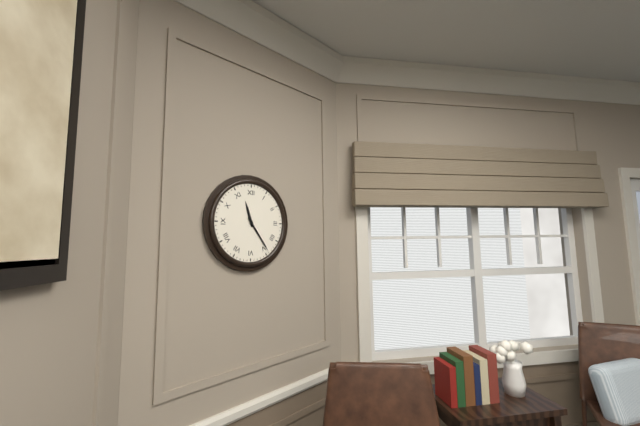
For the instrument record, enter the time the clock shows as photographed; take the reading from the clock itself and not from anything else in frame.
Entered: 11:24
